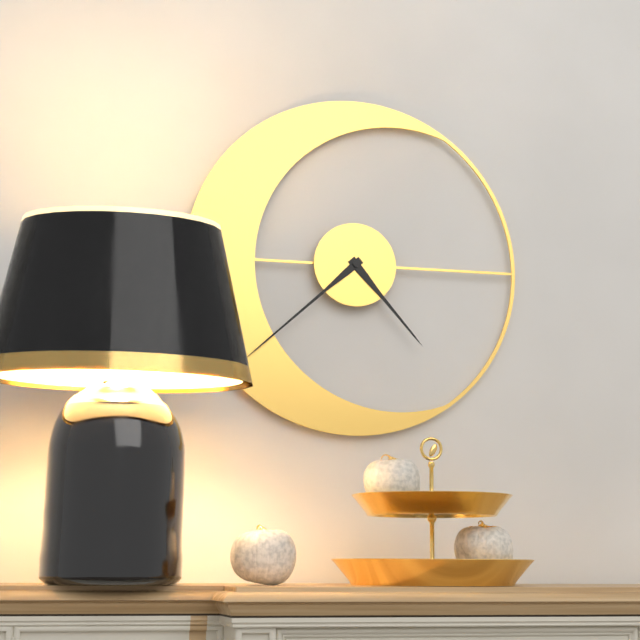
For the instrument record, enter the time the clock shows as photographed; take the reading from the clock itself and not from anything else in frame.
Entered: 4:38
